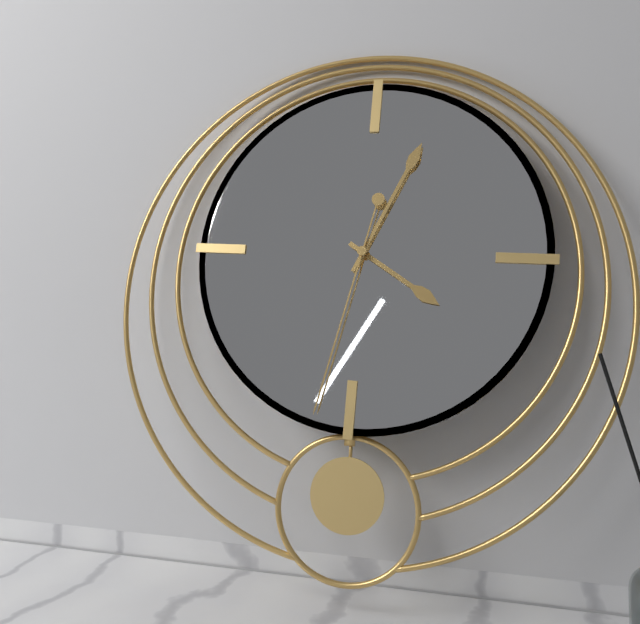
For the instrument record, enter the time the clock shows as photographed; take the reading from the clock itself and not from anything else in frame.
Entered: 4:04:32
